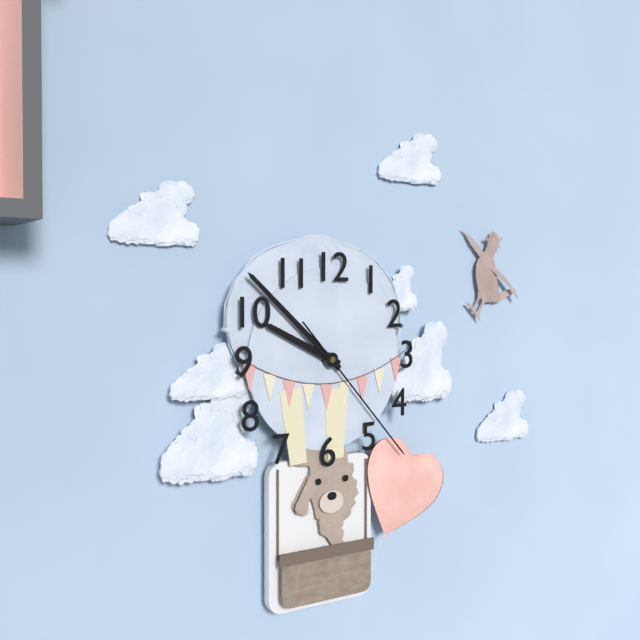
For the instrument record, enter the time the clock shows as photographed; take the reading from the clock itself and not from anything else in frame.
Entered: 9:52:23
